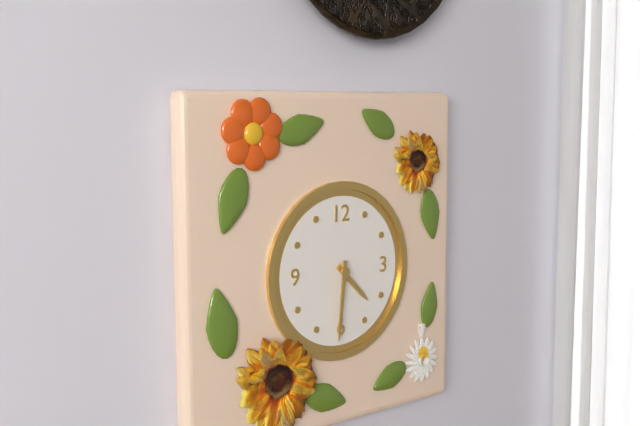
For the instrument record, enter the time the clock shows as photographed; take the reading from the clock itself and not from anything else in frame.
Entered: 4:31
